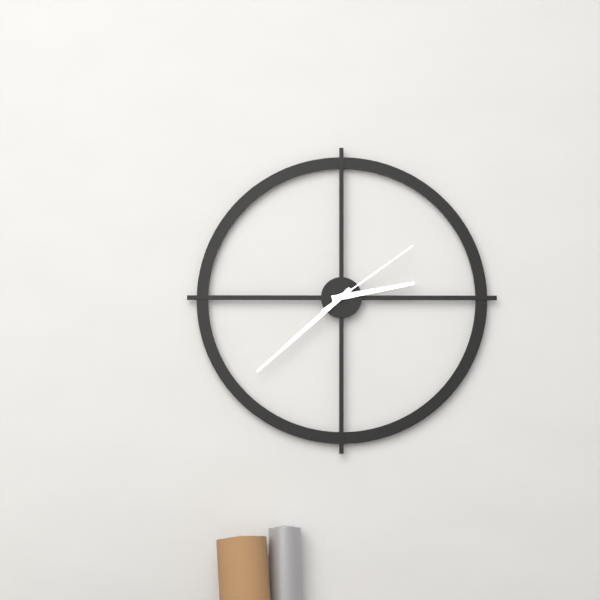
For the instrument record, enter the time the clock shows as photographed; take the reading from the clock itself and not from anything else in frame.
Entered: 2:38:09
